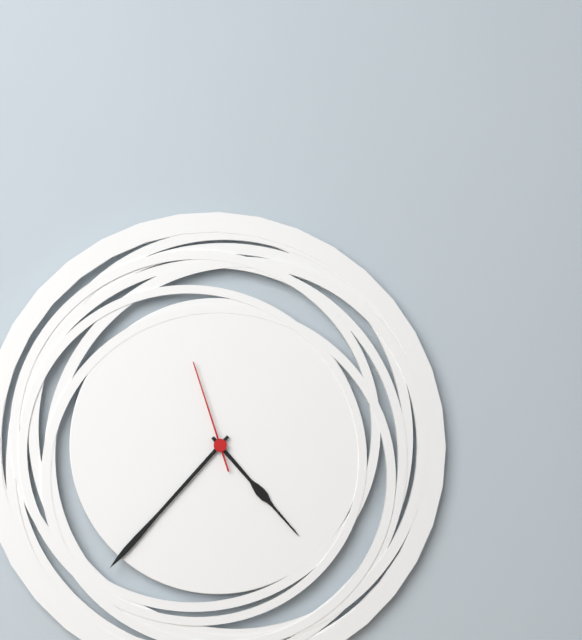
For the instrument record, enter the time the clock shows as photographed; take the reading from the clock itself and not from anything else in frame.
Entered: 4:37:57
